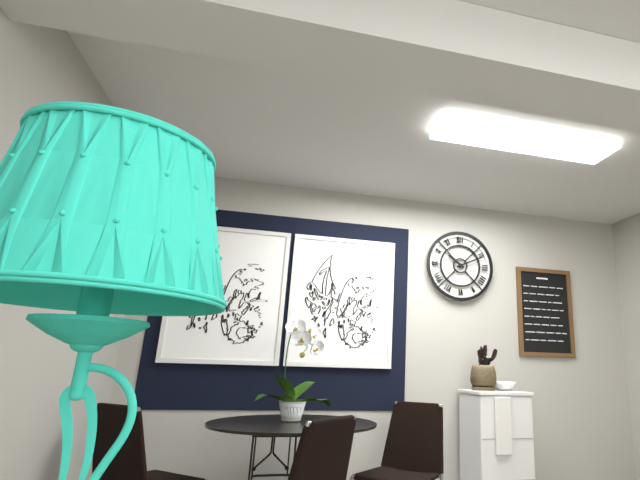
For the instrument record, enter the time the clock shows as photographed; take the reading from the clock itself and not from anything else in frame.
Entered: 10:11
